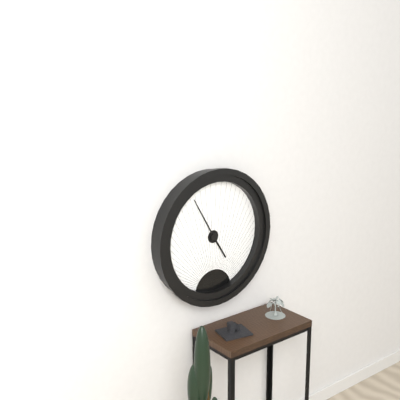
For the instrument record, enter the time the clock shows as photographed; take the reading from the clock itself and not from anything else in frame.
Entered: 4:55
